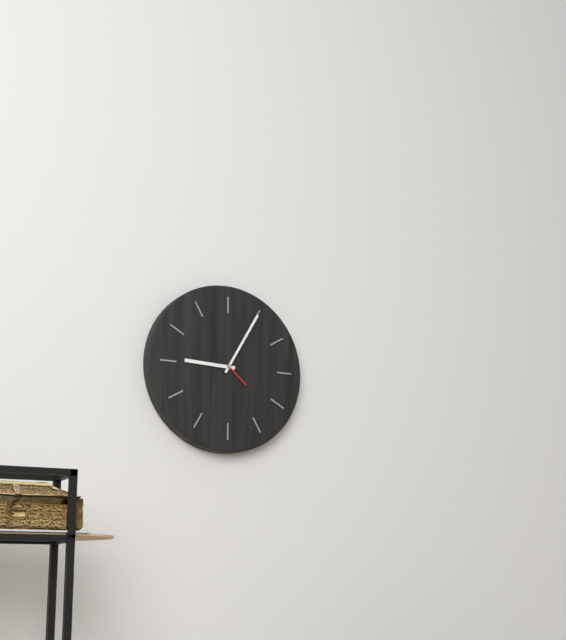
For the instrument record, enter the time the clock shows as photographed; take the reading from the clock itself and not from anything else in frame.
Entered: 9:05
